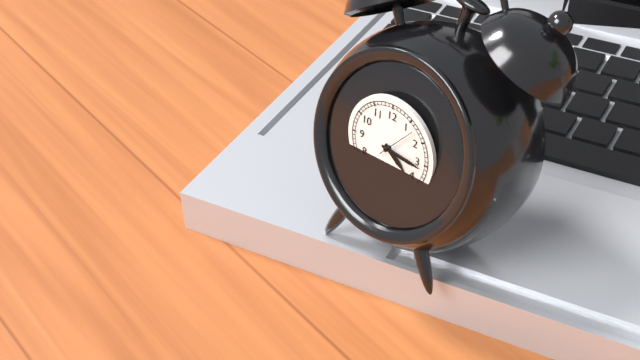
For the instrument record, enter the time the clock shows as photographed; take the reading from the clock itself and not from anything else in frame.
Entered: 4:16
